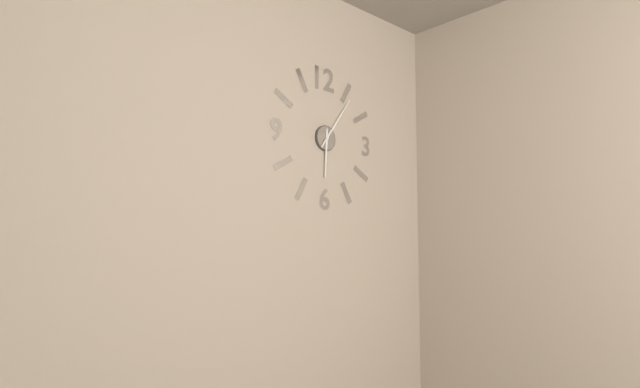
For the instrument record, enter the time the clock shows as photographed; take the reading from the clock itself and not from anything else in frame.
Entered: 6:06
